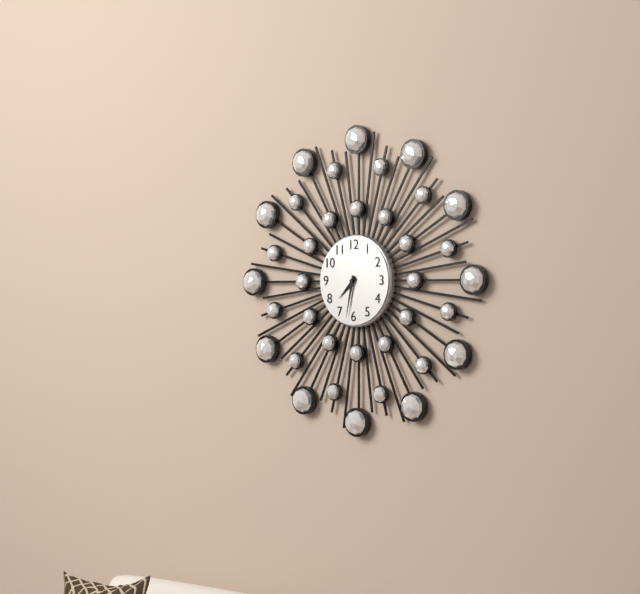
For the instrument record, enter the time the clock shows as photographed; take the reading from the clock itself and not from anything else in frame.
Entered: 7:32
